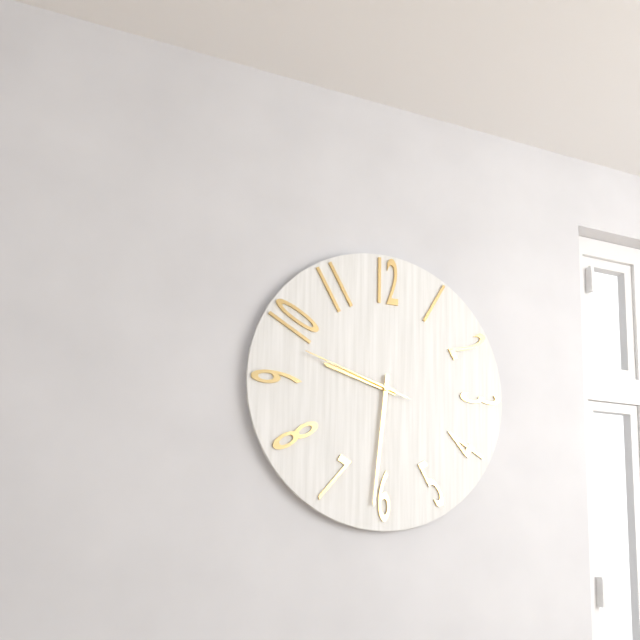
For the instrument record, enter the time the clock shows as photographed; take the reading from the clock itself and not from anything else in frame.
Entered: 9:31:48
